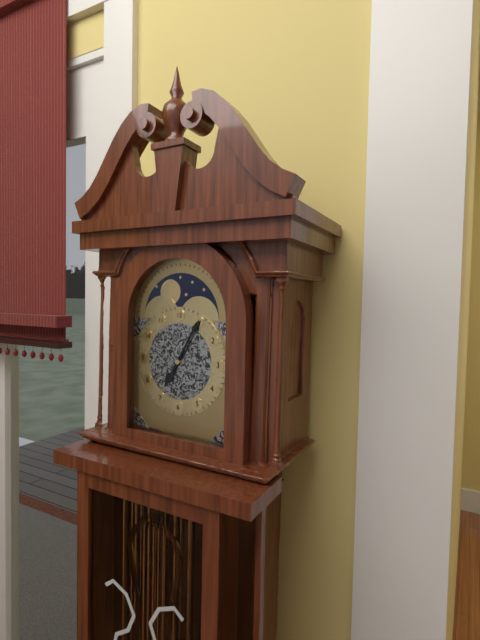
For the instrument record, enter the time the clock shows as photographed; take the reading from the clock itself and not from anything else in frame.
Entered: 7:05
